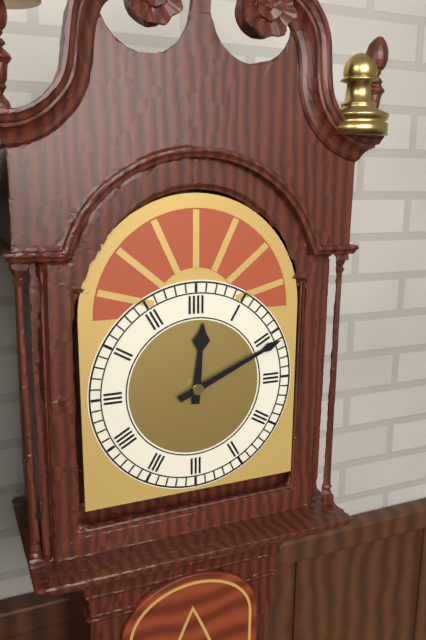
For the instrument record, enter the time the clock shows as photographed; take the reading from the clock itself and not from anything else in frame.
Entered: 12:11
